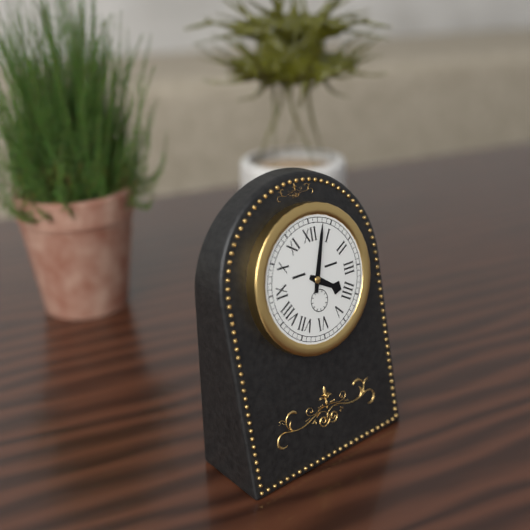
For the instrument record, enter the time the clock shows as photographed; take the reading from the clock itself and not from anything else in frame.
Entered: 4:03
